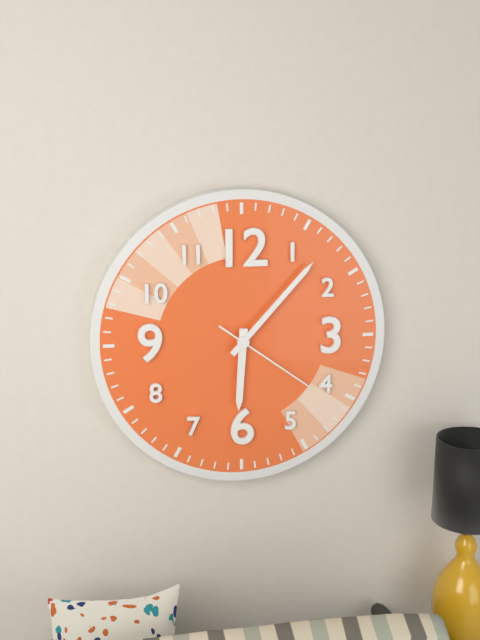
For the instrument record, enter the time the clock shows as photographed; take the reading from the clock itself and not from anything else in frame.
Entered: 6:07:21
